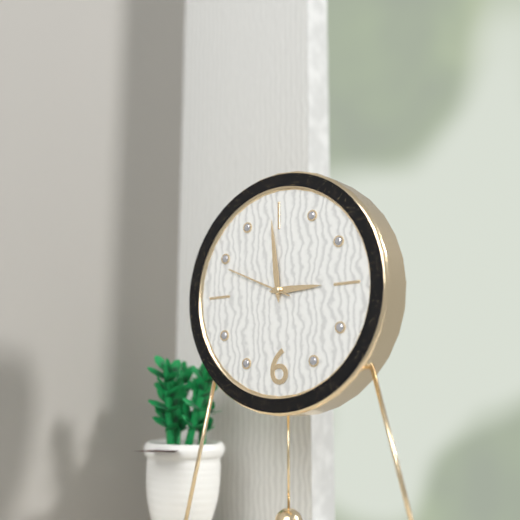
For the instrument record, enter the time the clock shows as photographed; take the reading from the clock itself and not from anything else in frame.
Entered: 2:59:49
